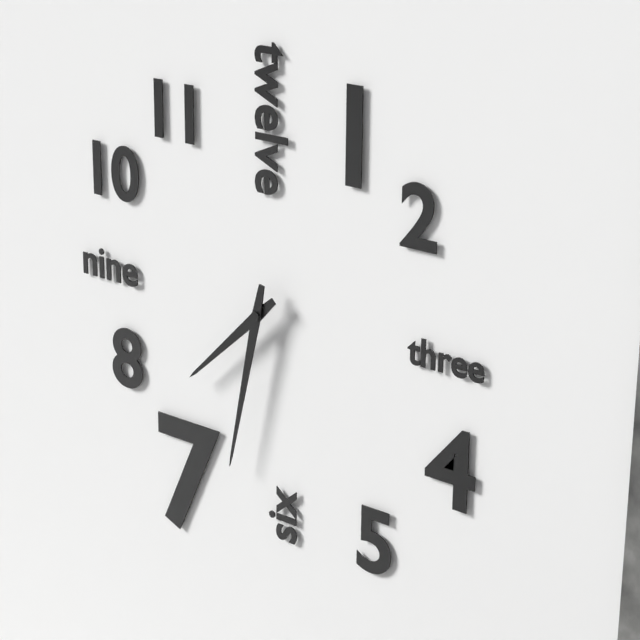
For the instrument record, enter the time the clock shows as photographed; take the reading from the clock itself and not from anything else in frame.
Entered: 7:32
